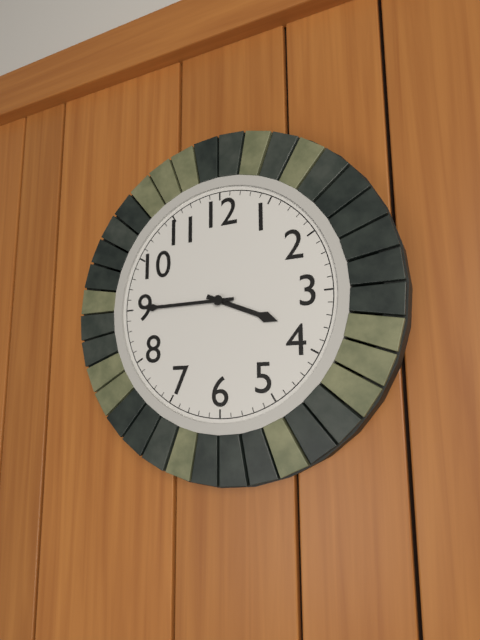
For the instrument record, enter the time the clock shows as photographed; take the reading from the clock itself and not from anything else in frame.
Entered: 3:45
